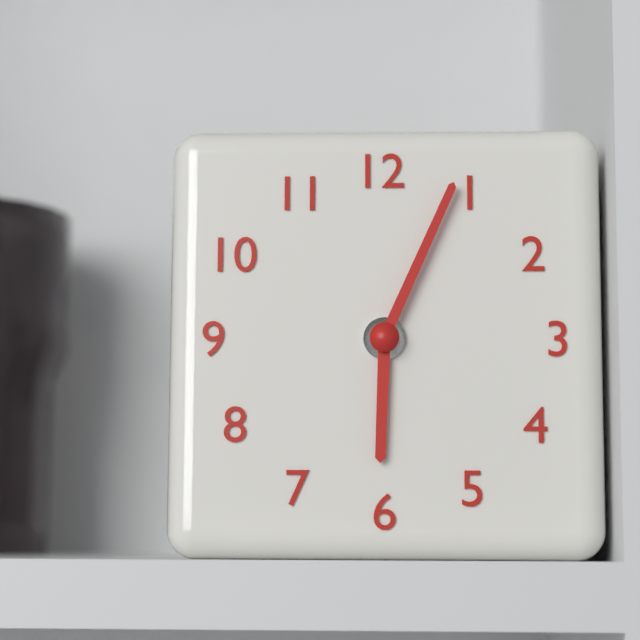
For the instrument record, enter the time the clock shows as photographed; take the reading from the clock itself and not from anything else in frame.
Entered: 6:04
